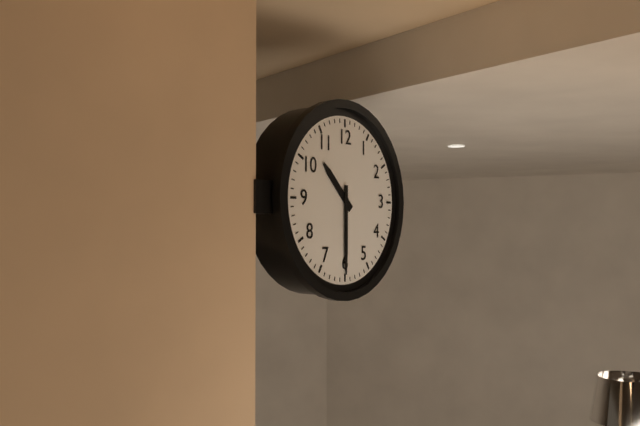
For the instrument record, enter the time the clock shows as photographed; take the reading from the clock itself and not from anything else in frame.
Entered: 10:30
